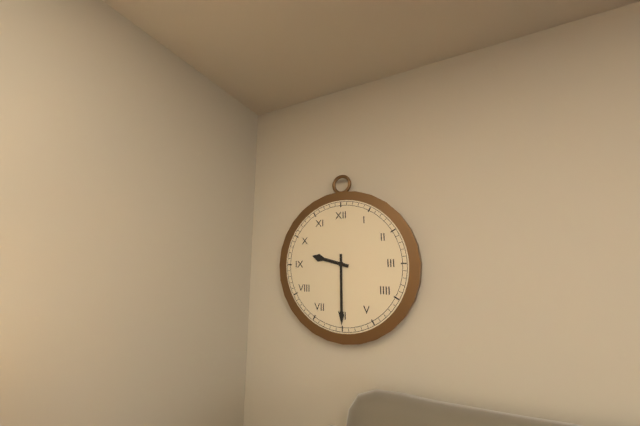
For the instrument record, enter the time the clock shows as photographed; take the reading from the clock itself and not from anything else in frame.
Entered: 9:30
